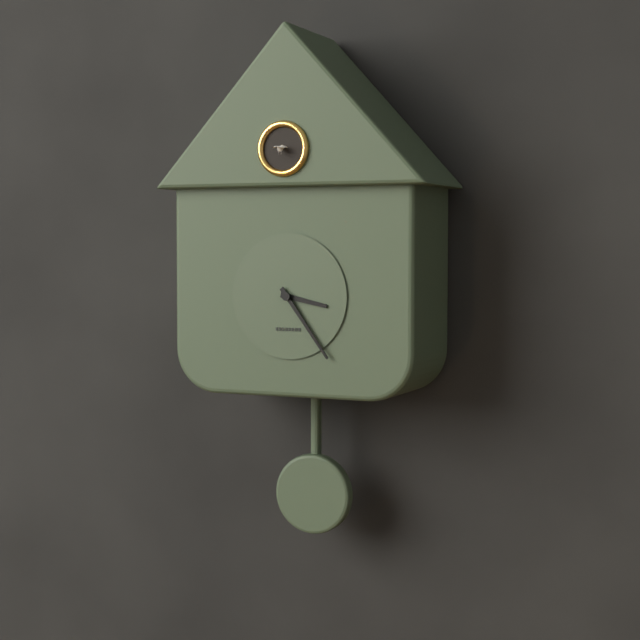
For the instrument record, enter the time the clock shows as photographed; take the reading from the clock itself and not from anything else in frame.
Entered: 3:24
